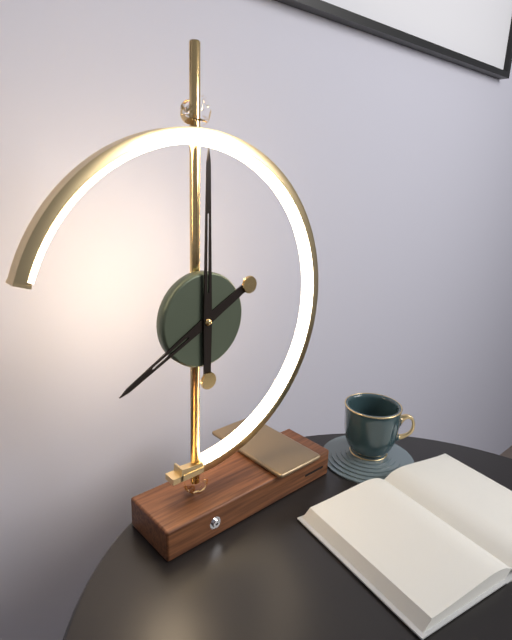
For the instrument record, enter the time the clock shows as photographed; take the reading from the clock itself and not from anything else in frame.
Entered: 8:00
